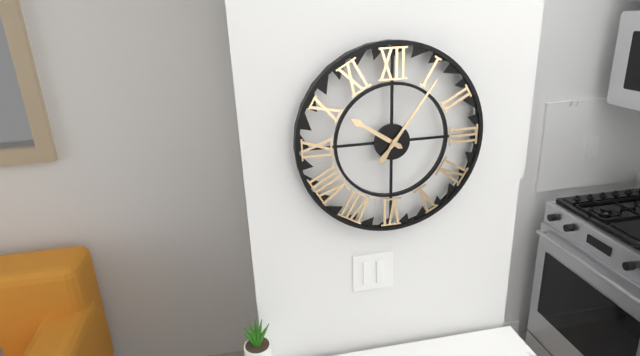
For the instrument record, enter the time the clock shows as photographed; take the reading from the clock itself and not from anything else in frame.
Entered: 10:06
